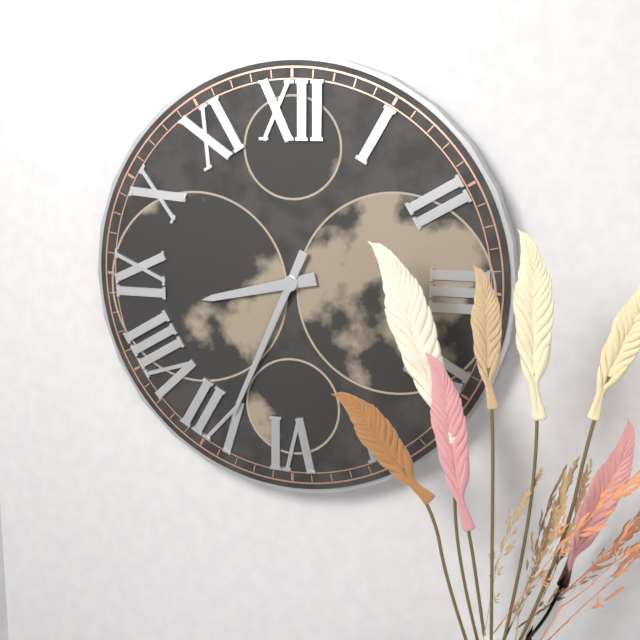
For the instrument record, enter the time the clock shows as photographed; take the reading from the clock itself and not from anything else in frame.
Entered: 8:34
